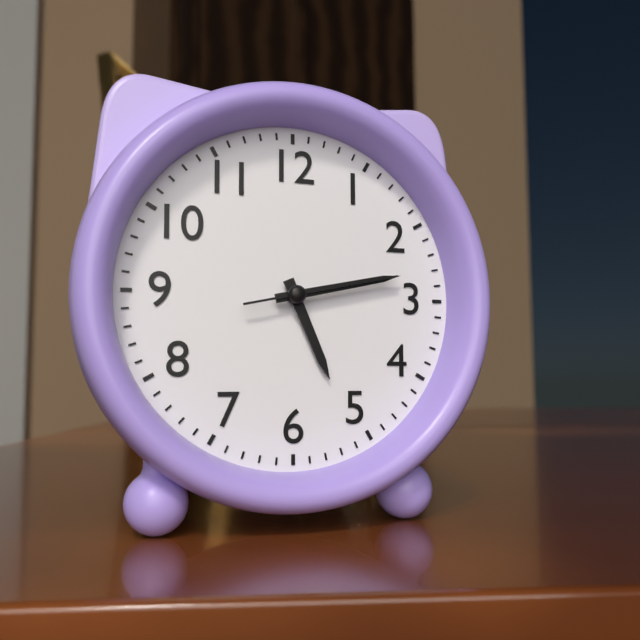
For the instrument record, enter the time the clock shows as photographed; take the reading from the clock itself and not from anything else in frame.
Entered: 5:13:13
